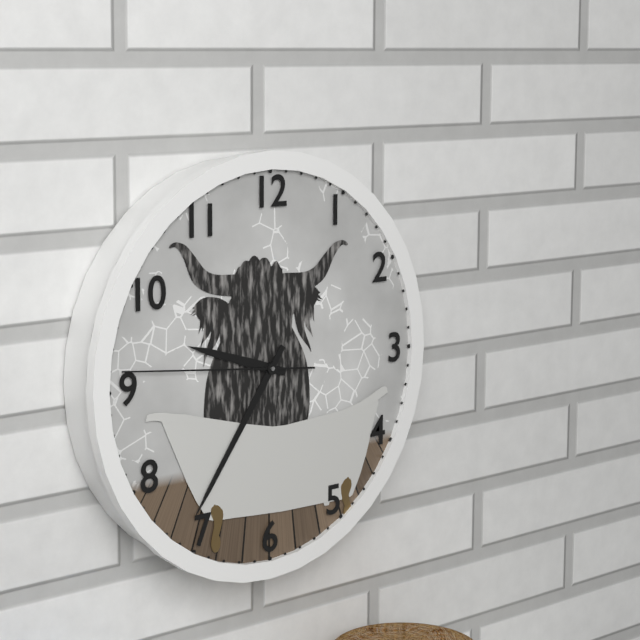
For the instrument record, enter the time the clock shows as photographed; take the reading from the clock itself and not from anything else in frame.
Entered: 9:36:46
